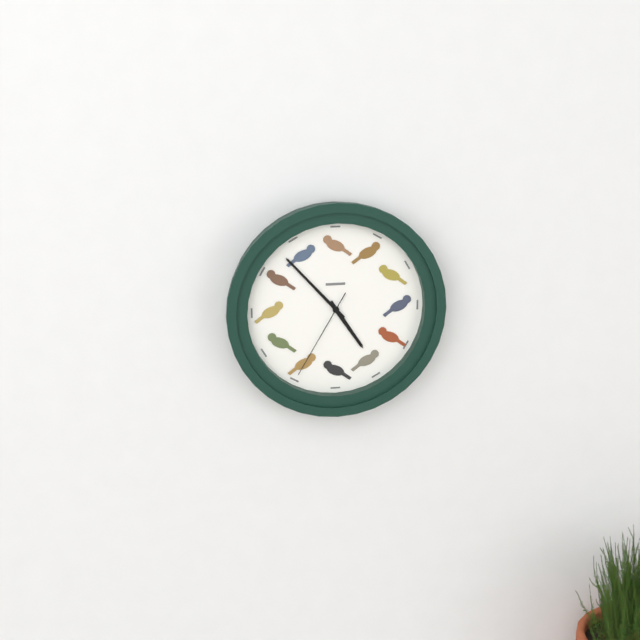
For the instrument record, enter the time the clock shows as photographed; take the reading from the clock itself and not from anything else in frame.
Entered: 4:53:35
